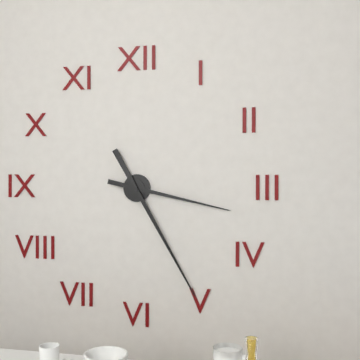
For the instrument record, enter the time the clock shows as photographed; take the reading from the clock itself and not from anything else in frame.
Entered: 3:25
